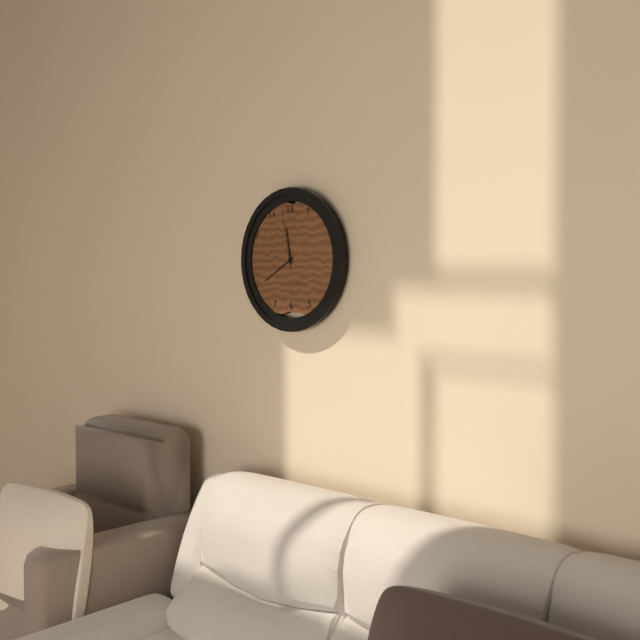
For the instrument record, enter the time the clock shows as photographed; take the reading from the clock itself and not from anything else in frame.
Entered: 11:40:58
